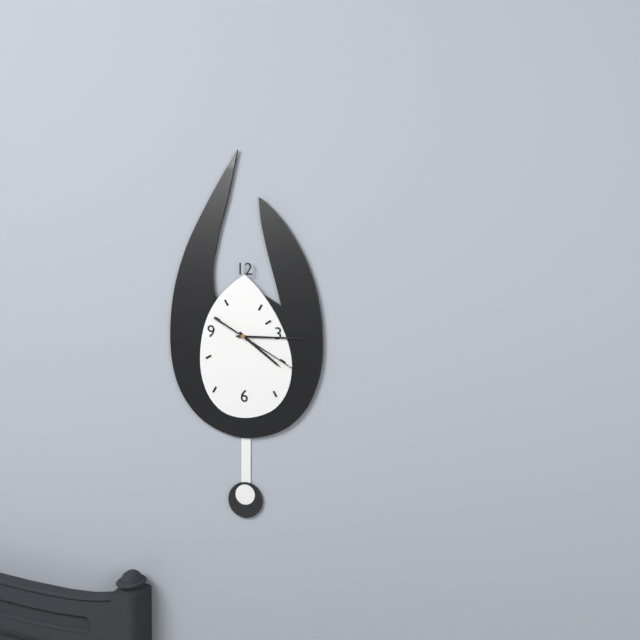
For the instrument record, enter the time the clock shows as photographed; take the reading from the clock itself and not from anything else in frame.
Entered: 4:15:20
